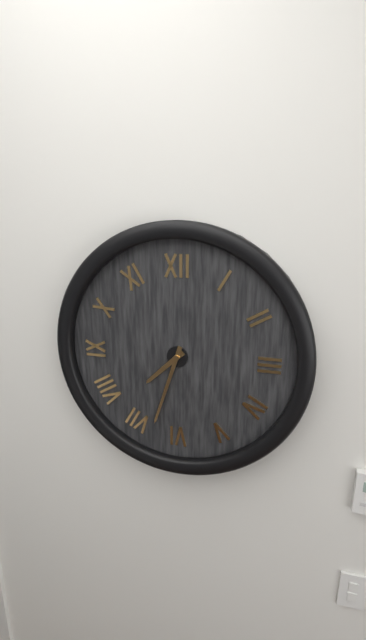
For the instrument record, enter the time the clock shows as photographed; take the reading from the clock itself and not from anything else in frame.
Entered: 7:33
